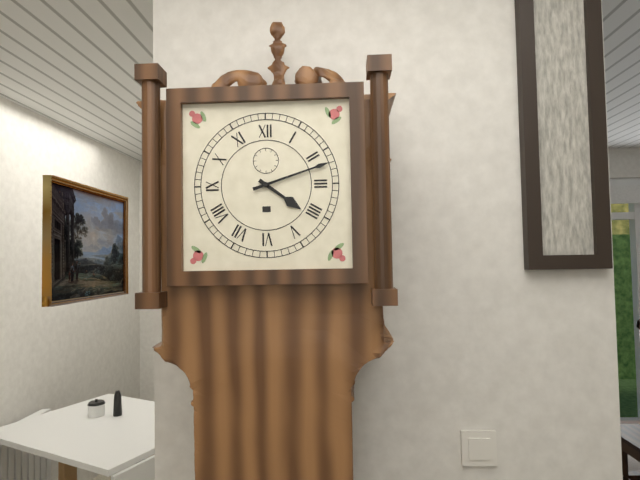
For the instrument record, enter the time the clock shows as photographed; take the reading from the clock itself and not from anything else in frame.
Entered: 4:12
